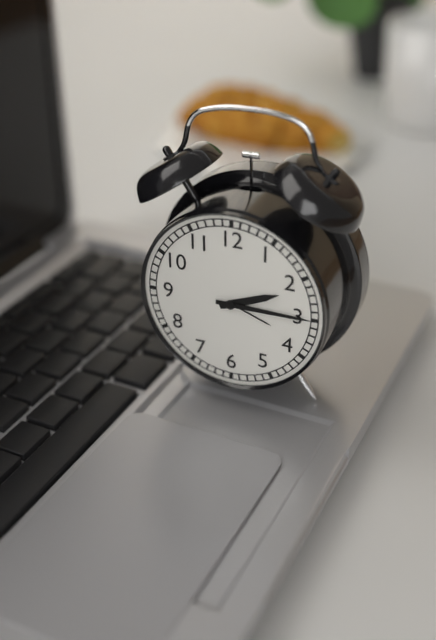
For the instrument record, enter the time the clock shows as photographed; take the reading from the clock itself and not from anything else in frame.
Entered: 2:15
